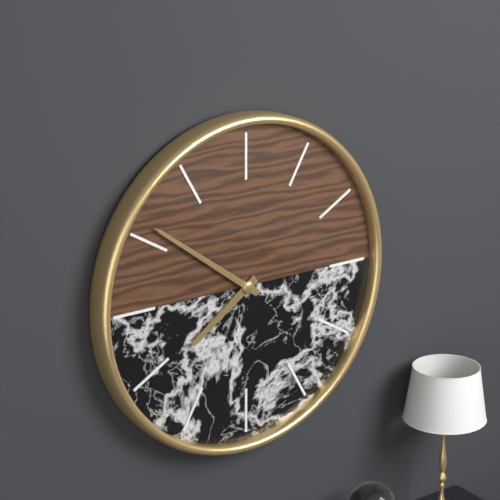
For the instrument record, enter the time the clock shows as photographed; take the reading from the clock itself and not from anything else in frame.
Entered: 7:51
